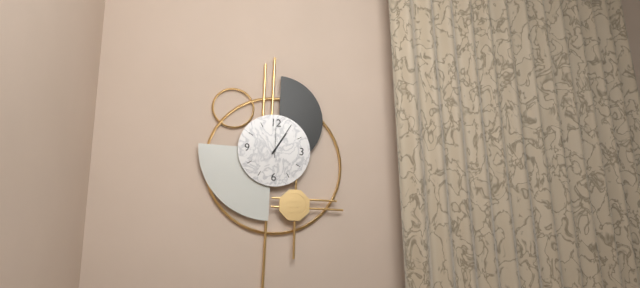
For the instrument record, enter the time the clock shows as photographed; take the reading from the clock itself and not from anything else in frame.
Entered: 1:05
